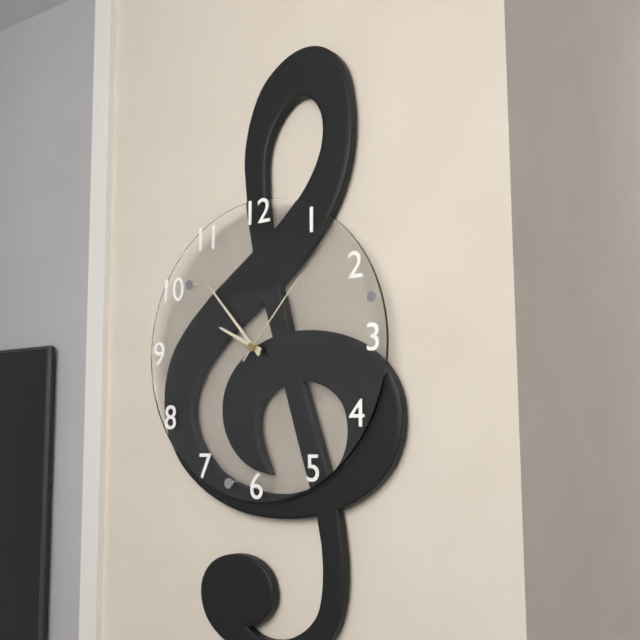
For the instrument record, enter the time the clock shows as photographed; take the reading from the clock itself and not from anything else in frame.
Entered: 9:53:07
